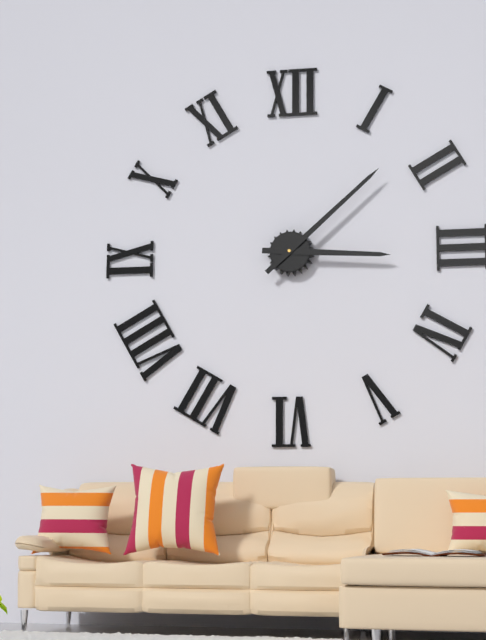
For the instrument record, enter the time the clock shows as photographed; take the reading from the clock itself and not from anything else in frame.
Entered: 3:08
